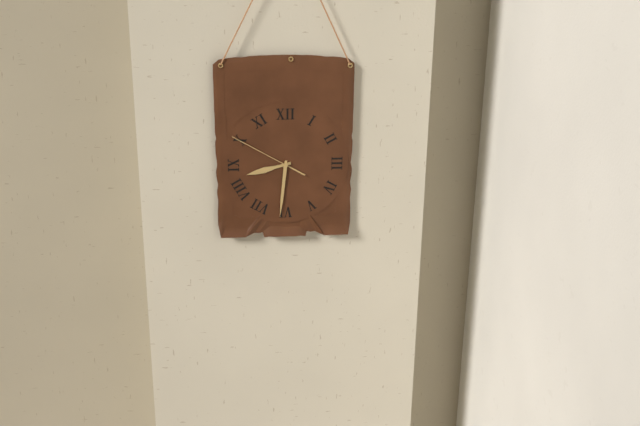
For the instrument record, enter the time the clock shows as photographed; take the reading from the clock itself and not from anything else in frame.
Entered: 8:31:50
